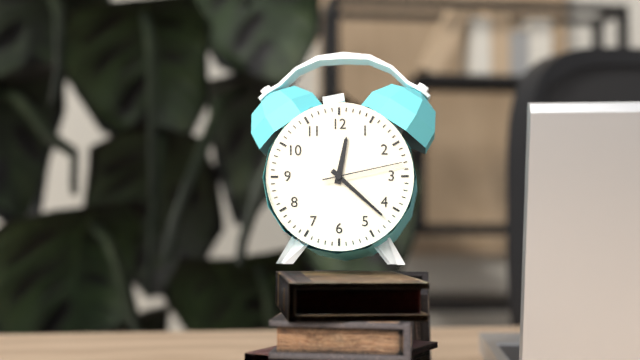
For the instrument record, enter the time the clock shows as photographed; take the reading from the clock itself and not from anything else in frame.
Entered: 12:22:13
